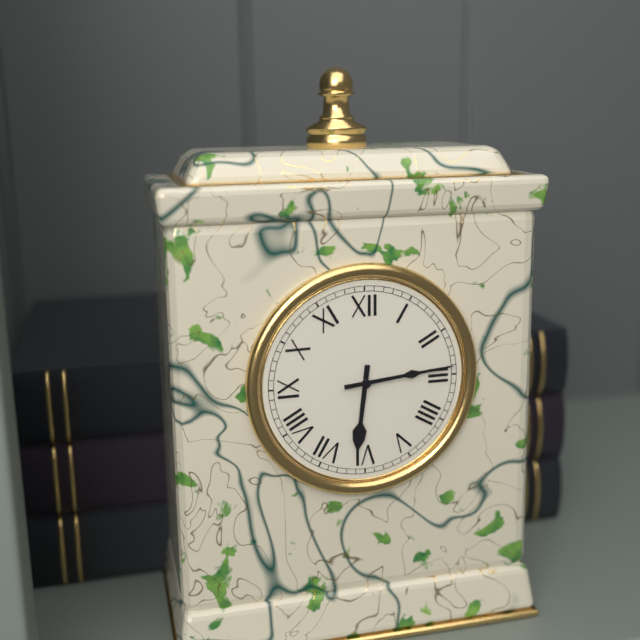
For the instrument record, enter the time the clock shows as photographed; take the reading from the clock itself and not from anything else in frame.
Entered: 6:14
